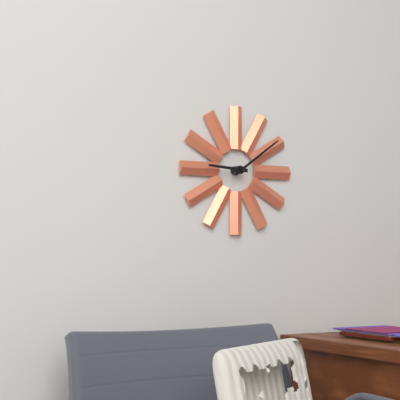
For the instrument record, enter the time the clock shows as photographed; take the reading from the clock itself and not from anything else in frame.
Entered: 9:09
